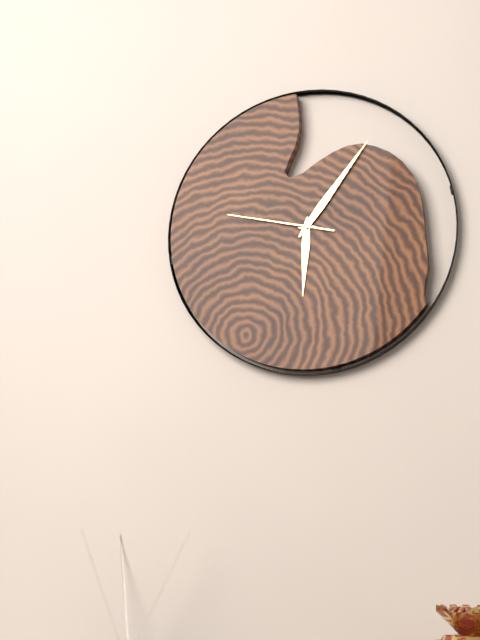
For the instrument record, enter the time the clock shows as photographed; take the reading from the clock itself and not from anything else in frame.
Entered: 6:06:47
